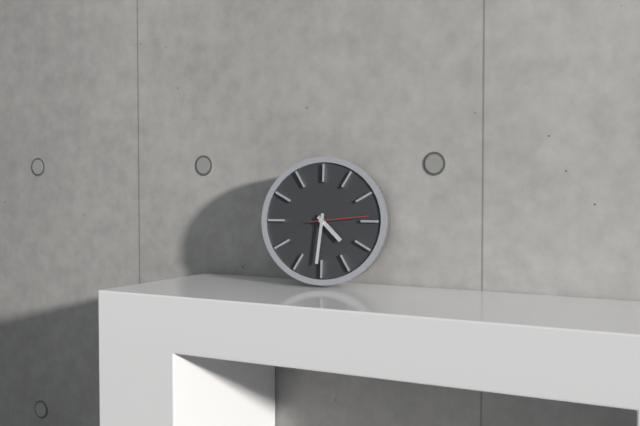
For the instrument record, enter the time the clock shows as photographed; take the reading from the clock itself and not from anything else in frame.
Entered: 4:31:14
